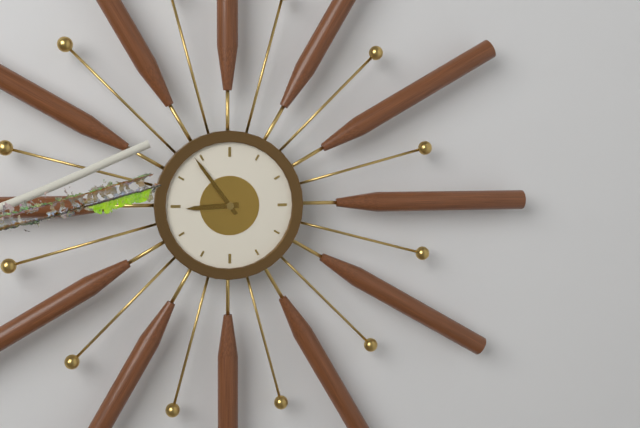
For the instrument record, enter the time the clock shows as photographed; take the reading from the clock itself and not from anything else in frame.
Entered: 8:54
